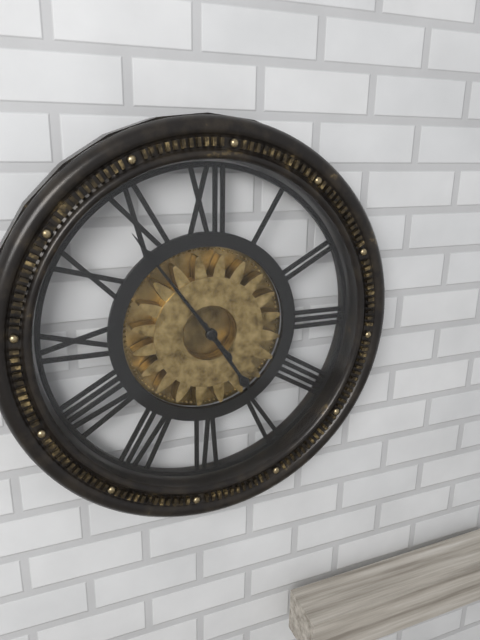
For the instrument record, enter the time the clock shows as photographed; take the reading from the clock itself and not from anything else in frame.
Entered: 4:54
